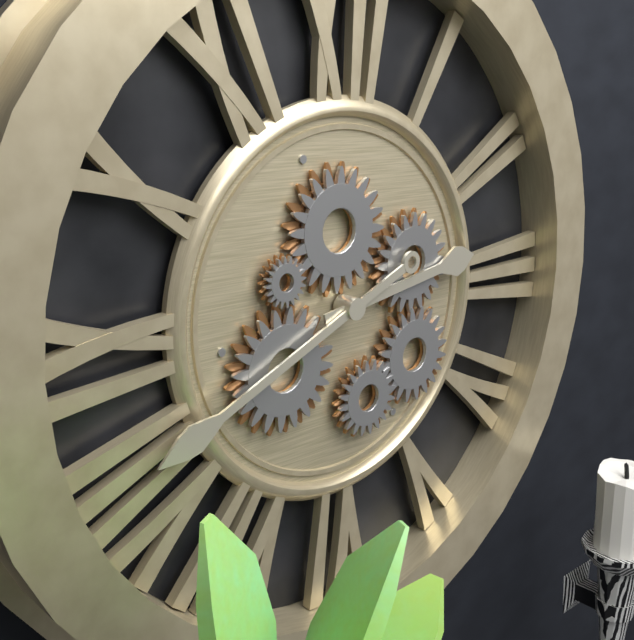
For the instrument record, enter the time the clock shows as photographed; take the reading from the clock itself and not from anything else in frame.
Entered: 2:41
